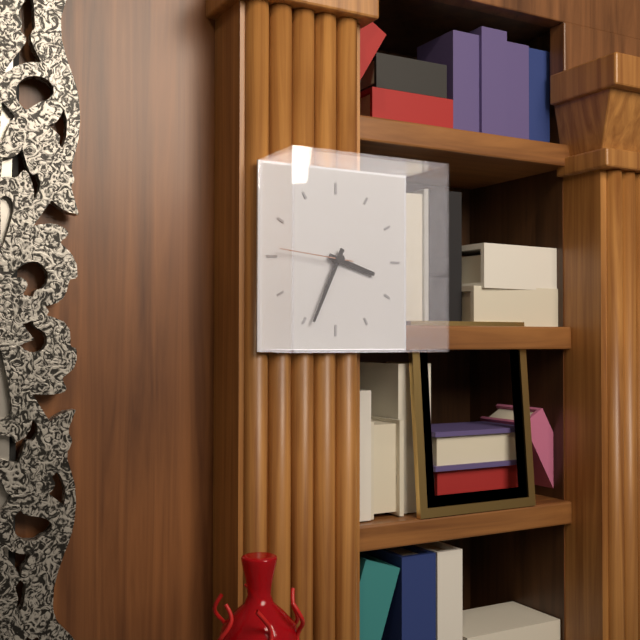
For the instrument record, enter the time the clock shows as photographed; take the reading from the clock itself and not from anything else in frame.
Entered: 3:34:46
